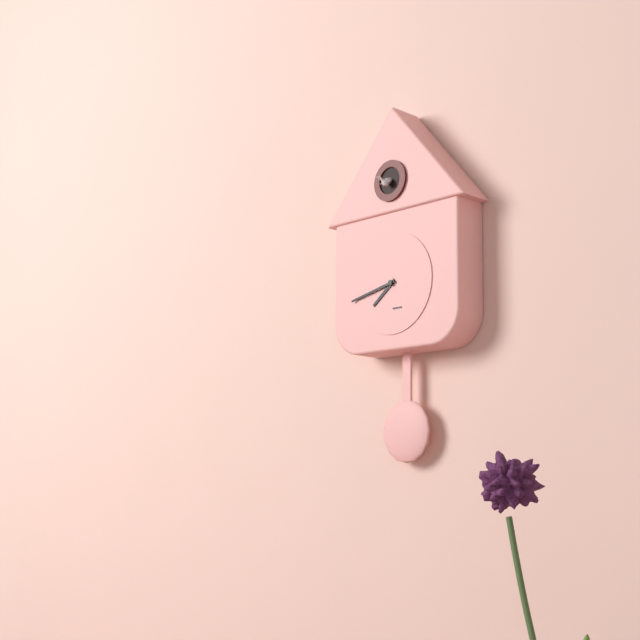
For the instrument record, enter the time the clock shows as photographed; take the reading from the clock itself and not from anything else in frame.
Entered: 7:43
